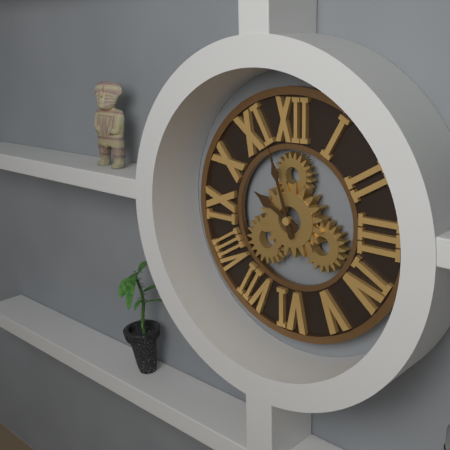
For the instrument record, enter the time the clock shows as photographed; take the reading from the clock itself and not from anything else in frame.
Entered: 9:57
